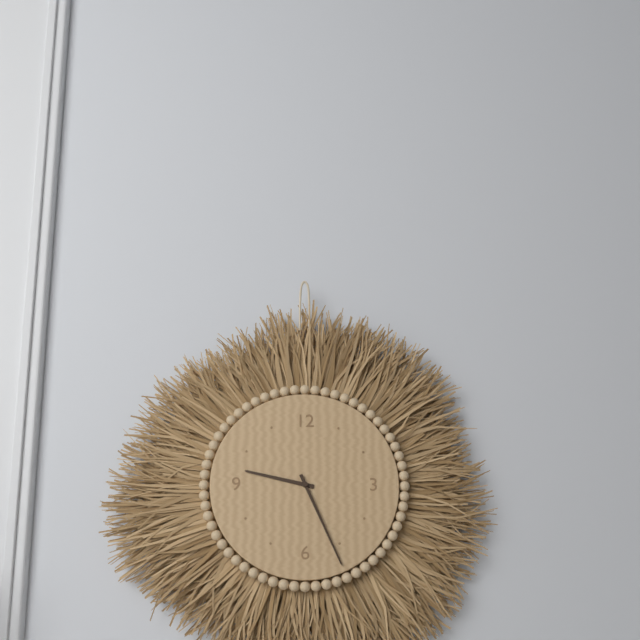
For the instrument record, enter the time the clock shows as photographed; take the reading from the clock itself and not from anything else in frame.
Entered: 9:26
